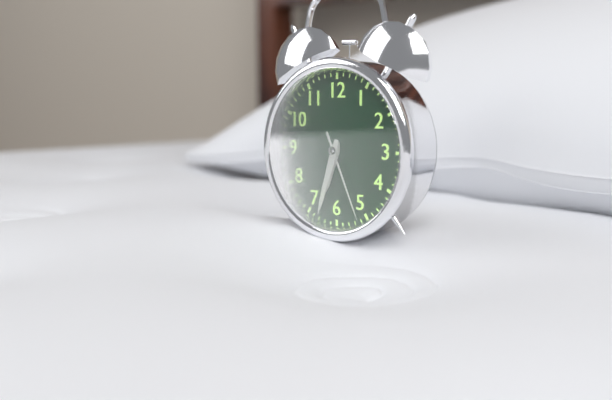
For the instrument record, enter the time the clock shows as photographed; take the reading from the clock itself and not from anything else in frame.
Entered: 6:33:26
